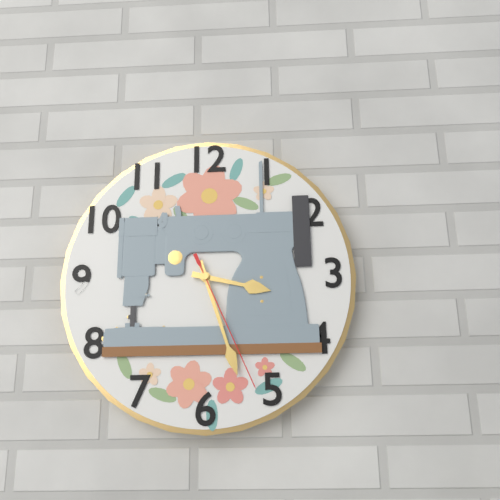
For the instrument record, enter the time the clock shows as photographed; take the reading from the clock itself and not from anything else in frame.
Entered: 3:27:26
